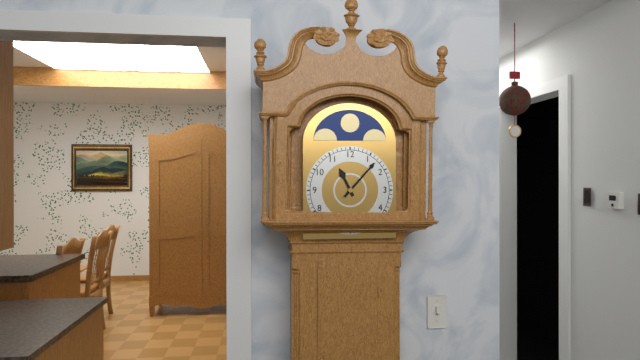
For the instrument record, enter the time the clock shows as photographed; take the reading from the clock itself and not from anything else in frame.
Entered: 11:07
